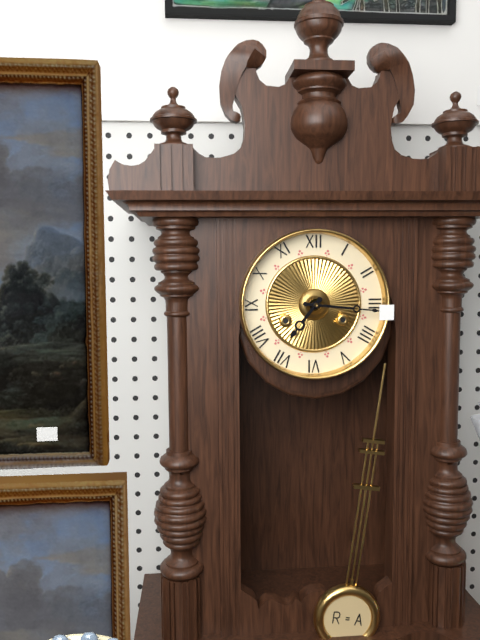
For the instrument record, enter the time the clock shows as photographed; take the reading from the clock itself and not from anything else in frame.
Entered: 7:16
